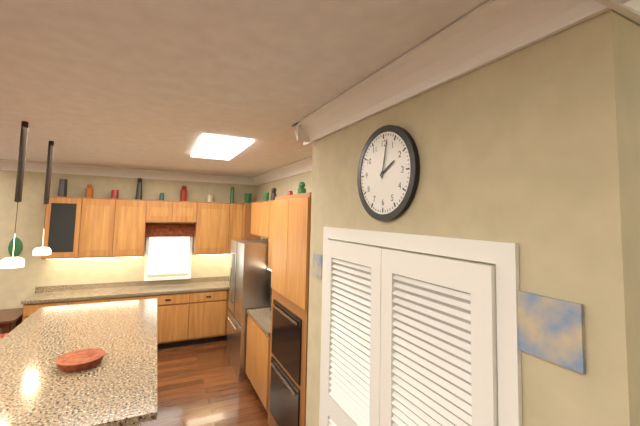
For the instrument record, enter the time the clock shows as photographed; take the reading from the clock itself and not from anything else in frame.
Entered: 2:02
